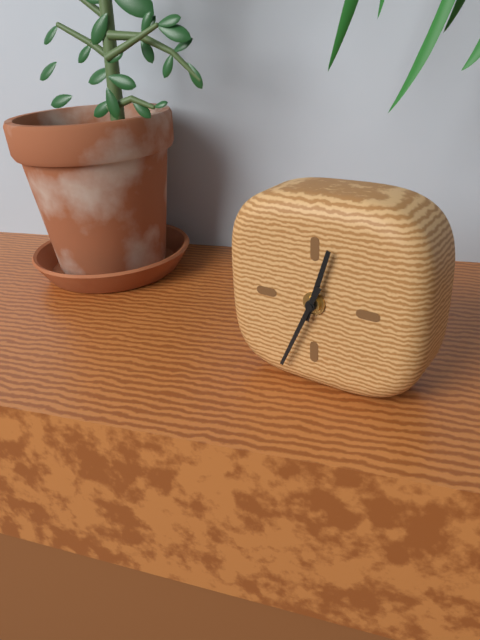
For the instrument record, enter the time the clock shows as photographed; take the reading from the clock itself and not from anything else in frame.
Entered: 12:34
